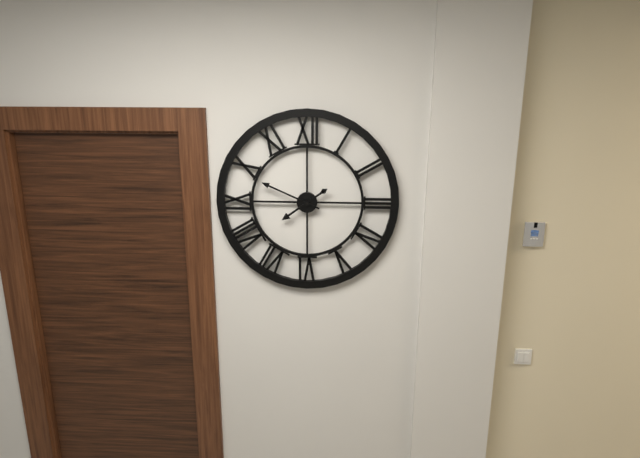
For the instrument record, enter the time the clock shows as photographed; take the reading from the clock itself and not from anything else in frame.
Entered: 7:49
